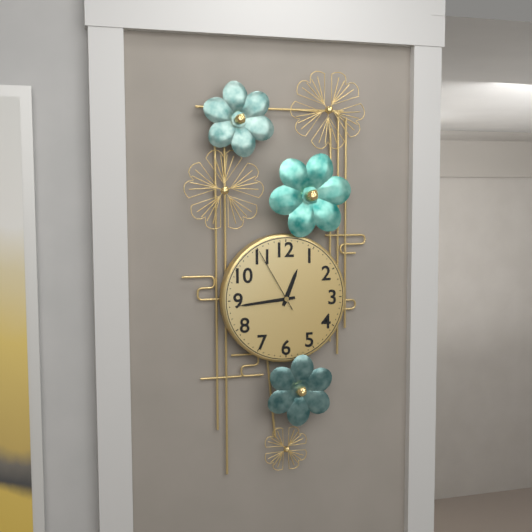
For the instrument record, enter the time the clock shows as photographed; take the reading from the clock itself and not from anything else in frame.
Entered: 12:44:55
